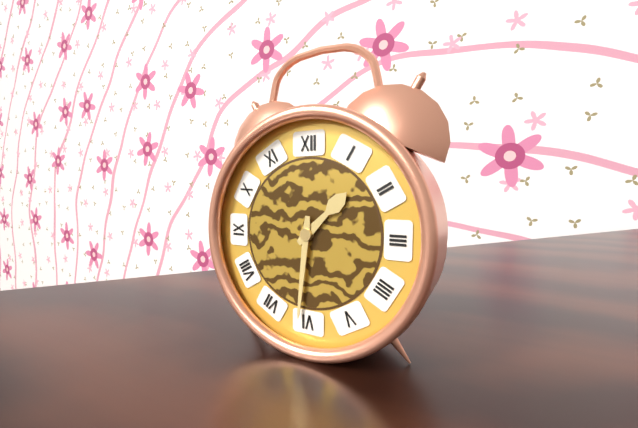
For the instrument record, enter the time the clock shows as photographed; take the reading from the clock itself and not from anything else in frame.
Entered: 1:31
